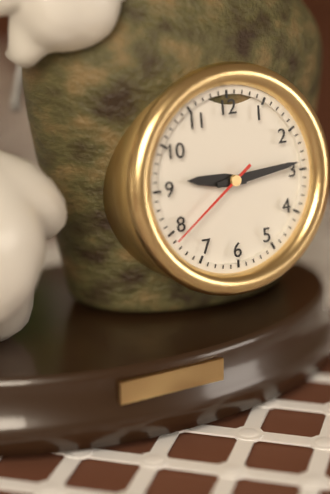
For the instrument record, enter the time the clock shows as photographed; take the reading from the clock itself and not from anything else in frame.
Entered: 9:14:39
